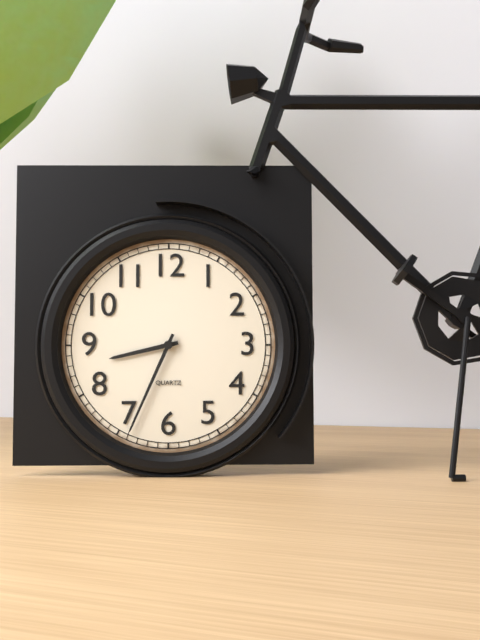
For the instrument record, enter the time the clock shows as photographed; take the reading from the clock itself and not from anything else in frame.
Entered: 8:34
